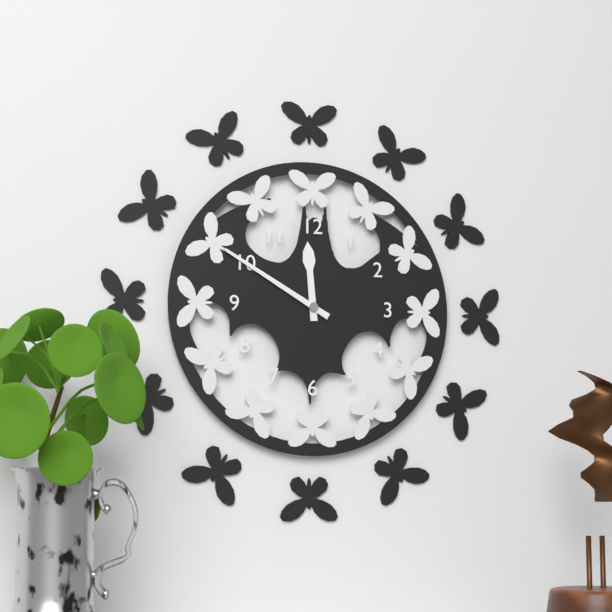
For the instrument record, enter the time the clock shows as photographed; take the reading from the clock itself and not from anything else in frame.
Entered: 11:50
